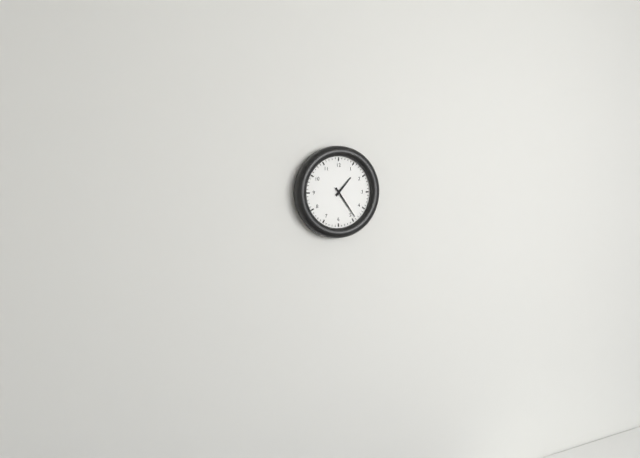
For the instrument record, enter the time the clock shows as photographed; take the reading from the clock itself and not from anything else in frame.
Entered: 1:24
